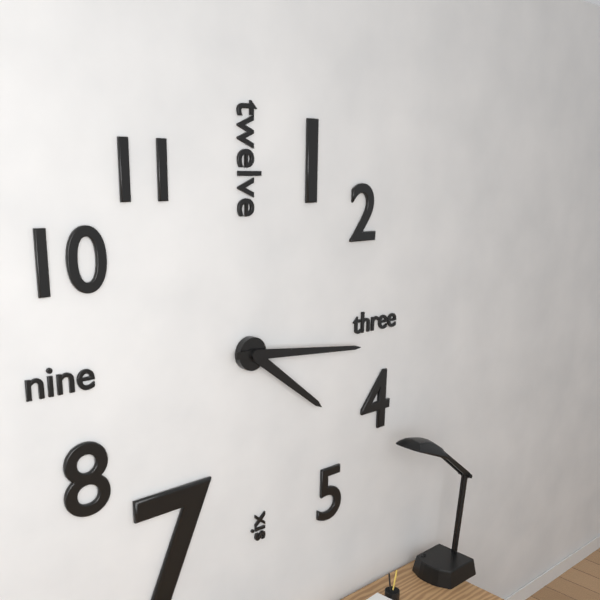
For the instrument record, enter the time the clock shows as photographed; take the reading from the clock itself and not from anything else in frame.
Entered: 4:16
